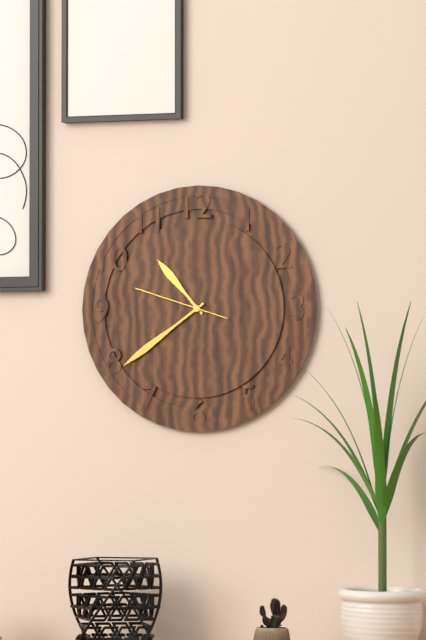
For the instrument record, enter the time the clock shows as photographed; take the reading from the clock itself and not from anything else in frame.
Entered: 10:39:48
